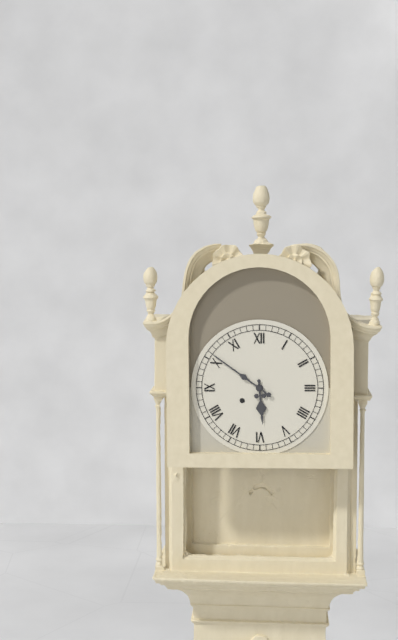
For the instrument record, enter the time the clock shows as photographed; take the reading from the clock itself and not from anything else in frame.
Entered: 5:51
